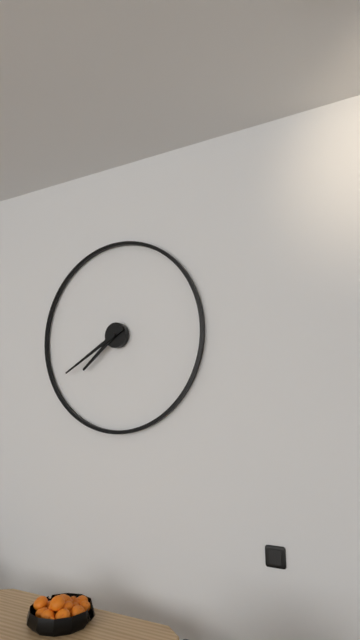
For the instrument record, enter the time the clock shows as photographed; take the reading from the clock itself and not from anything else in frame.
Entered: 7:40
